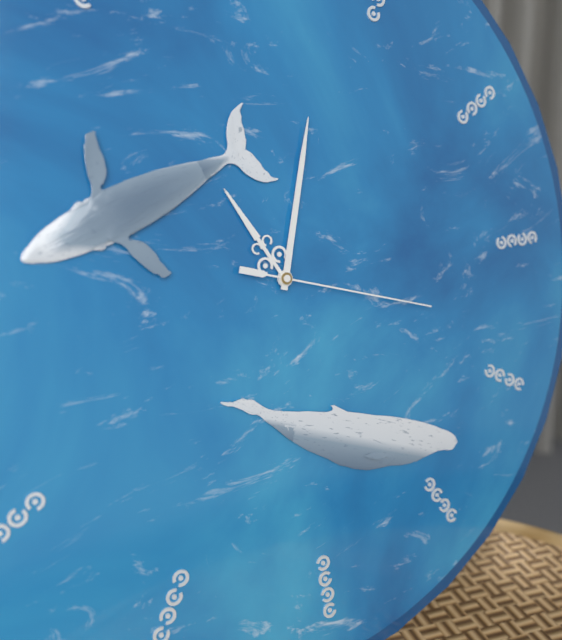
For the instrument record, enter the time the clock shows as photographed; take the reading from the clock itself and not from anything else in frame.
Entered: 11:03:18
